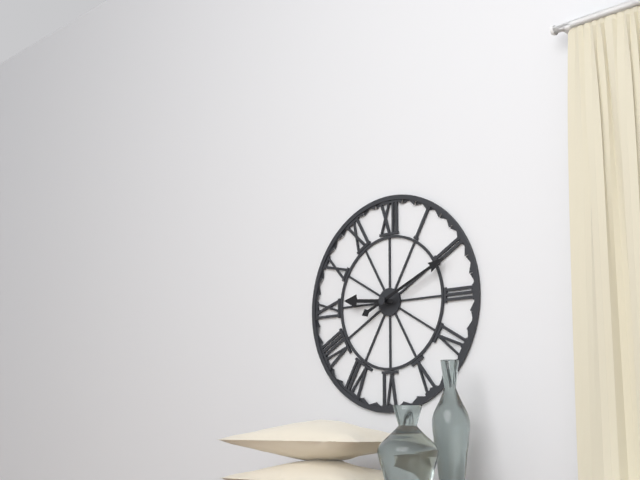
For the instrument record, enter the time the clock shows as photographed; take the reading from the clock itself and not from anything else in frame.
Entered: 9:11
